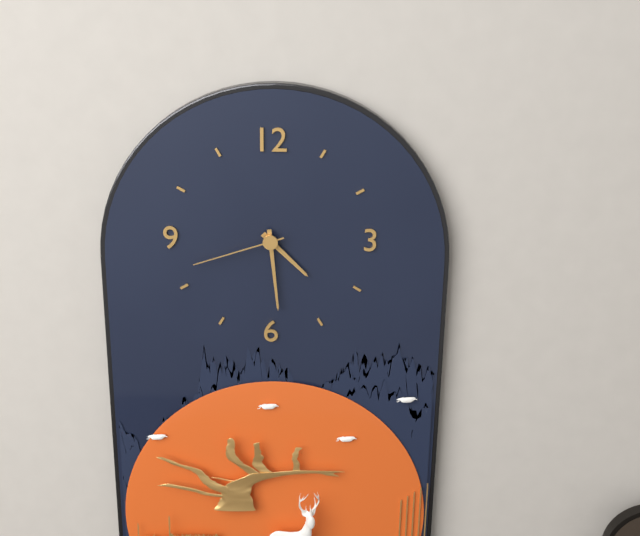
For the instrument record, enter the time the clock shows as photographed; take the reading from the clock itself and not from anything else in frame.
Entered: 4:29:42
